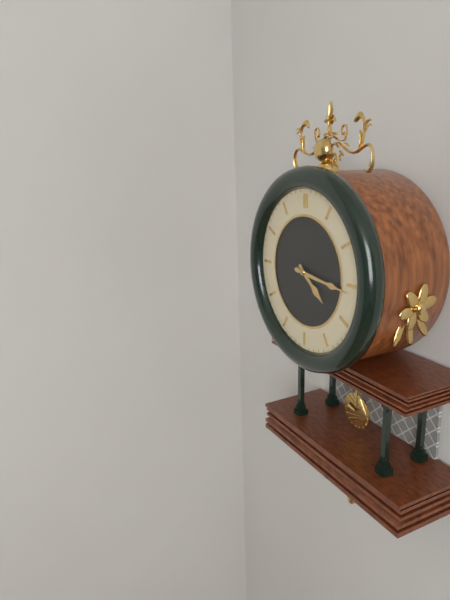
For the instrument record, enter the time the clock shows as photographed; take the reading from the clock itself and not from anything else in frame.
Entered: 4:16
